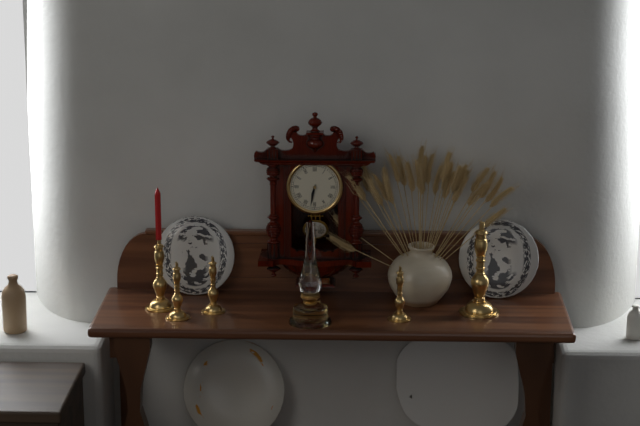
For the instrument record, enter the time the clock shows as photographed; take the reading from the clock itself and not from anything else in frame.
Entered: 6:32
